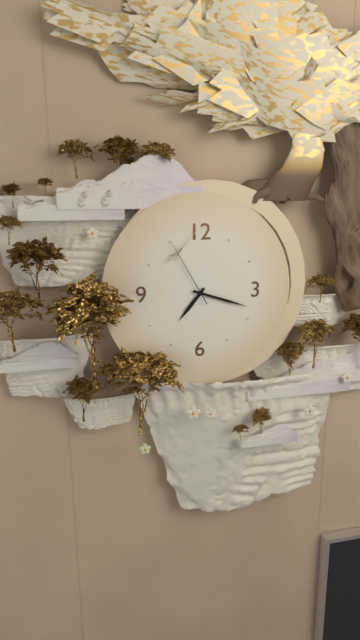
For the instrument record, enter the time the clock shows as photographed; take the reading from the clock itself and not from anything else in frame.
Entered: 7:18:55
